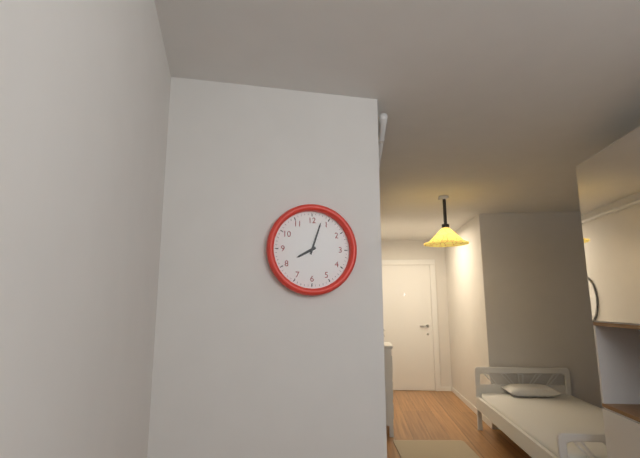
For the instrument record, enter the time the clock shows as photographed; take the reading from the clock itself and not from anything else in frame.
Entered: 8:03
